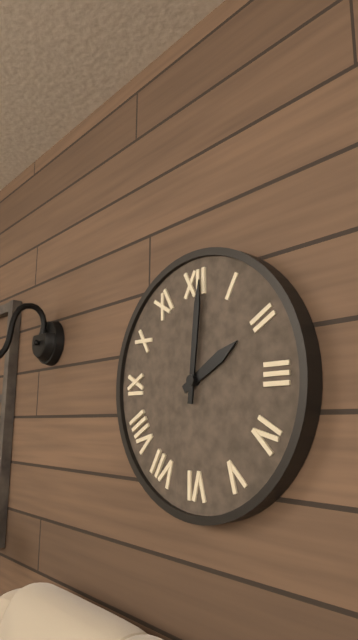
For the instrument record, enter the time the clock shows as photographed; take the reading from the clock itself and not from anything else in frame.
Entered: 2:01
